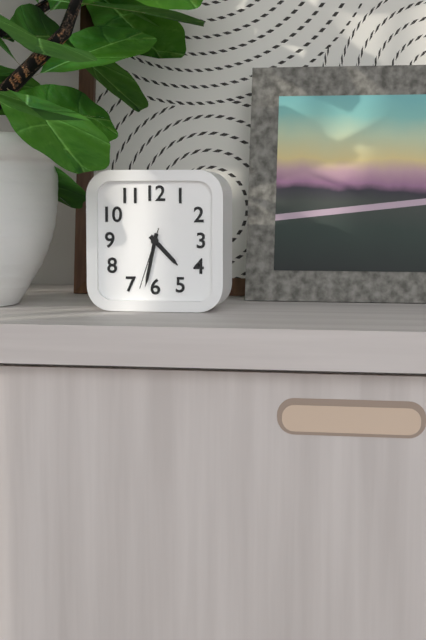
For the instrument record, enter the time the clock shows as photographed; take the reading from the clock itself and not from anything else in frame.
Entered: 4:32:33
